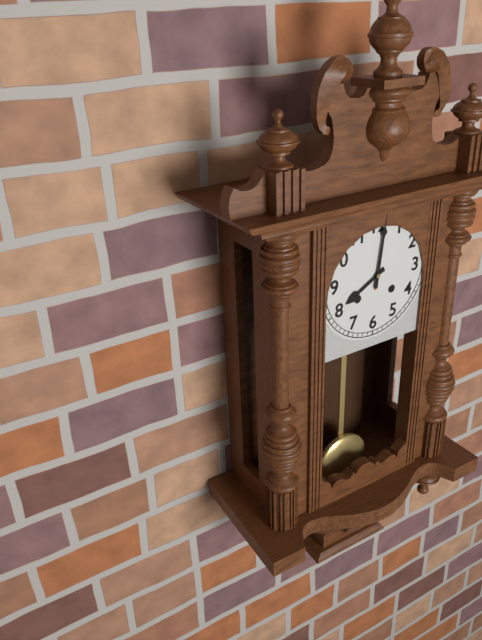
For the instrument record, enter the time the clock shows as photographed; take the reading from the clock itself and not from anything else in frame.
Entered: 8:01
